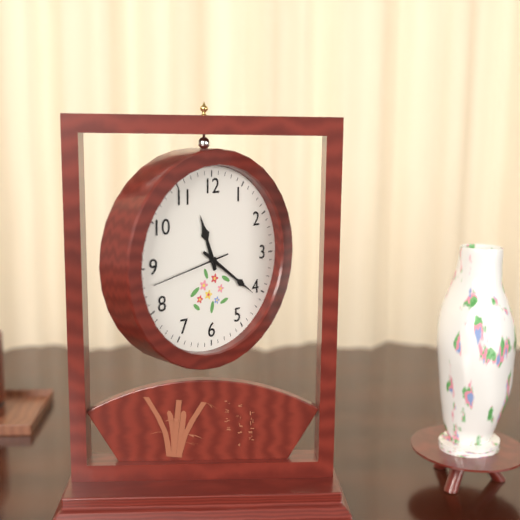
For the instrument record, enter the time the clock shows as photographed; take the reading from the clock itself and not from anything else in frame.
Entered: 11:21:43
